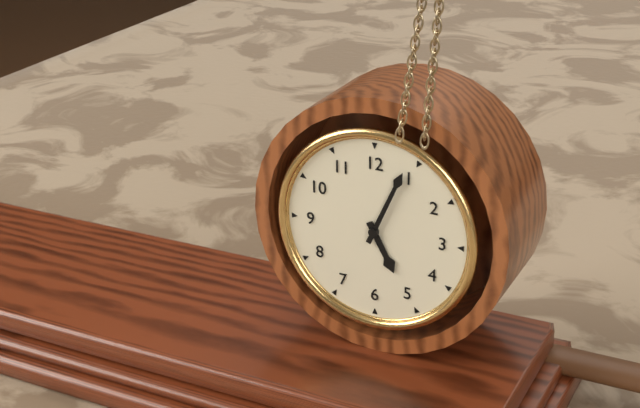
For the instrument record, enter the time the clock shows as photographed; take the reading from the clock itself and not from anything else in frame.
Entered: 5:04
